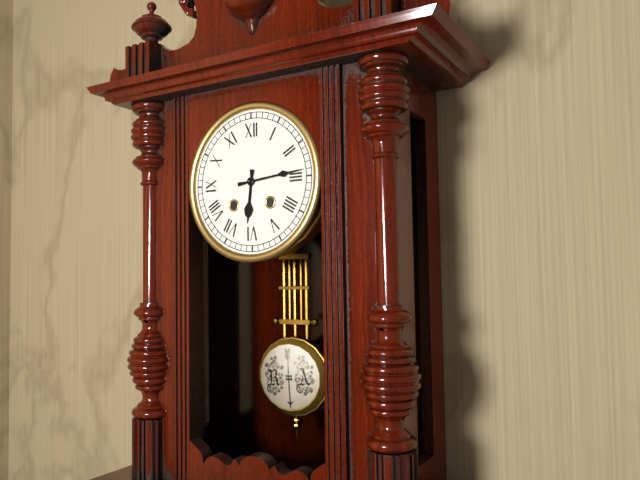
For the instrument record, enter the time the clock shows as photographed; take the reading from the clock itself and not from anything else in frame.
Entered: 6:14
